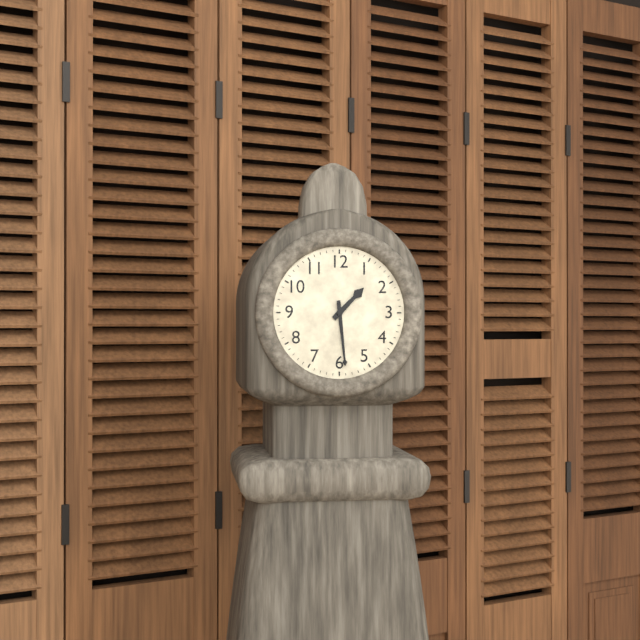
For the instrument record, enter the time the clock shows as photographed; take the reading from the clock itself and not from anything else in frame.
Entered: 1:29
